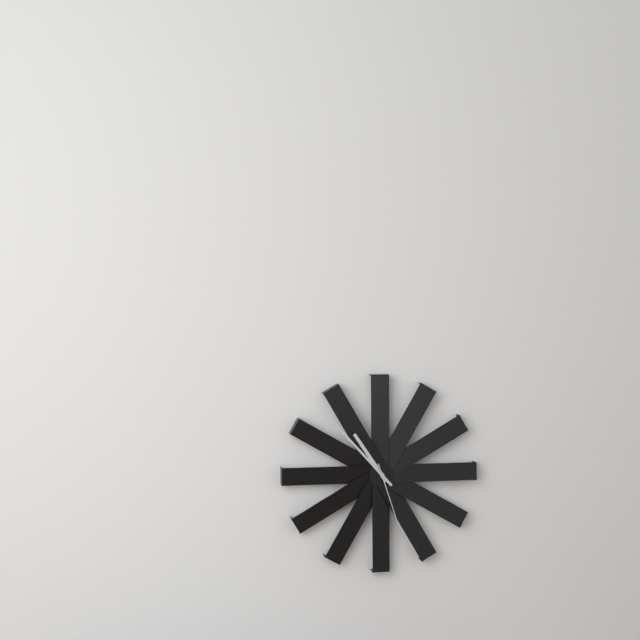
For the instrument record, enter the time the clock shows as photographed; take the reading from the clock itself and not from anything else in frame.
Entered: 10:53:27
